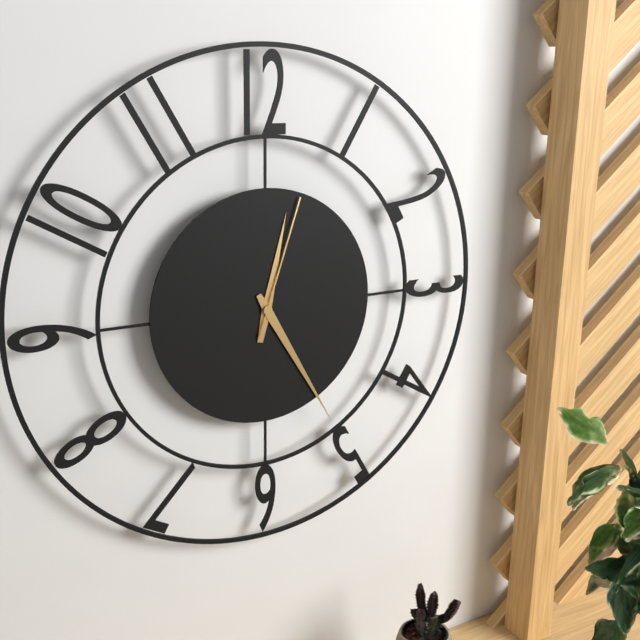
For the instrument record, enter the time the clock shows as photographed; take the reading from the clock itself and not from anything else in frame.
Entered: 12:25:03
